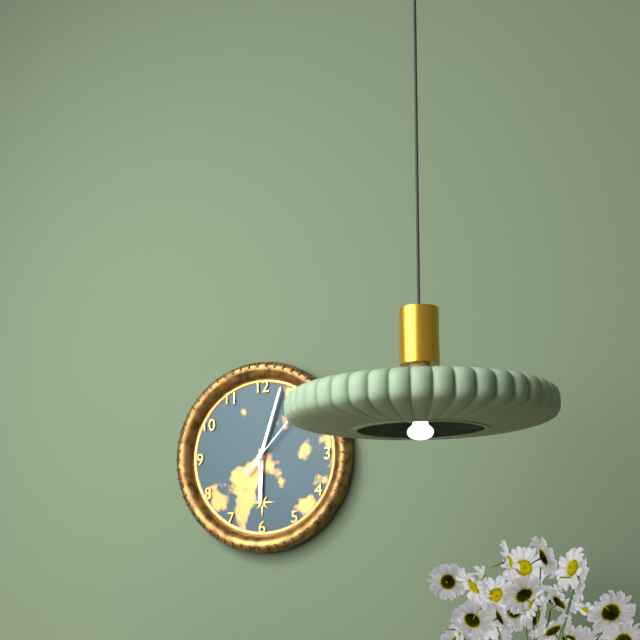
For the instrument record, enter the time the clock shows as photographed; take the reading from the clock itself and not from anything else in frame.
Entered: 6:03
